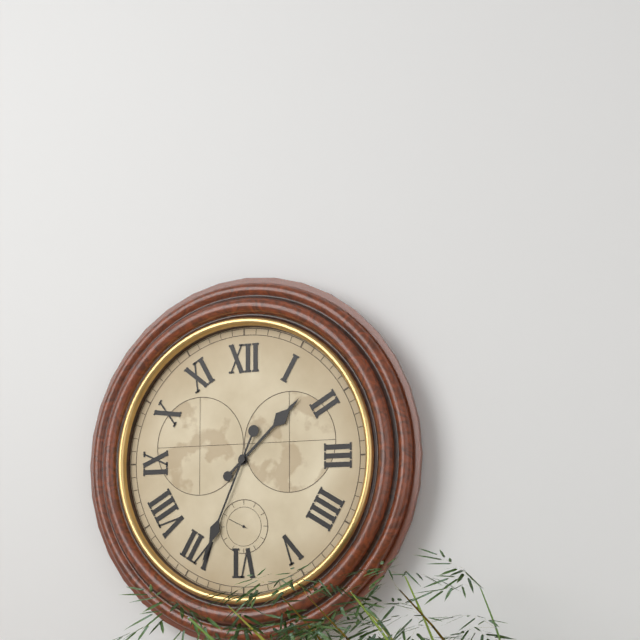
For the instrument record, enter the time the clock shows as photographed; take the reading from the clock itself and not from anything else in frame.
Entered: 1:34
